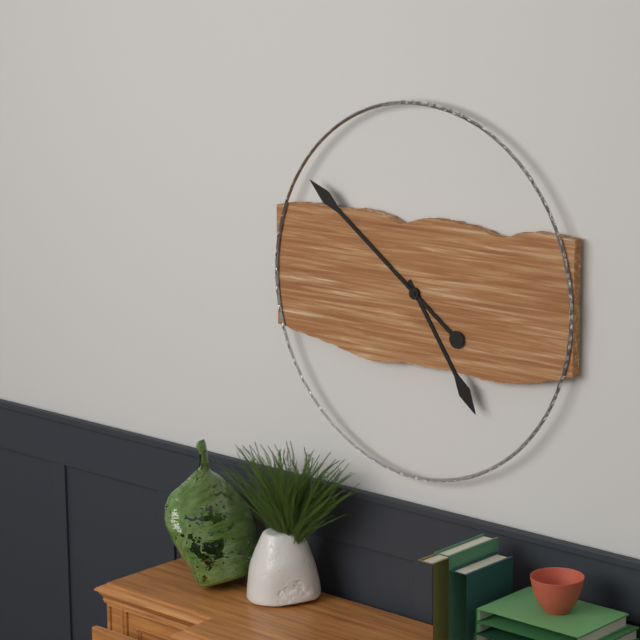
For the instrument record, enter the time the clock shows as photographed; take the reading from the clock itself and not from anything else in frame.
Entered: 4:51
